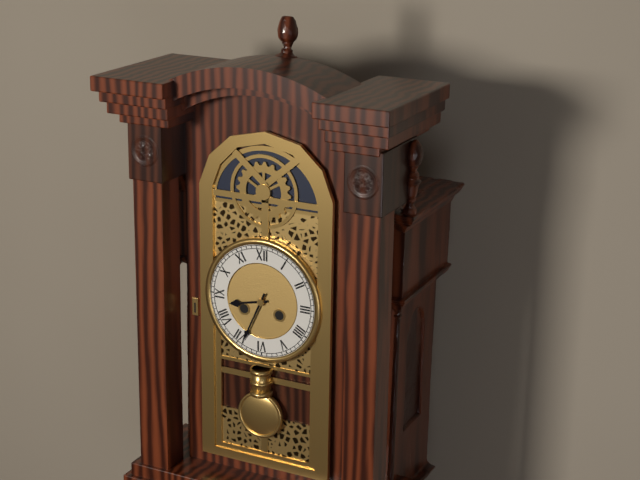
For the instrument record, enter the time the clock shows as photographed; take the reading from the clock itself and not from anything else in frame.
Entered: 8:34
